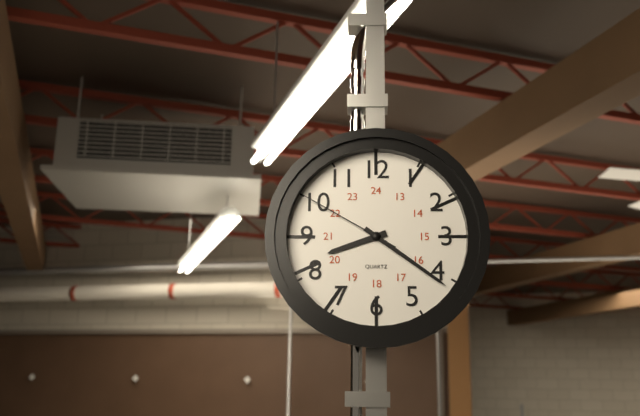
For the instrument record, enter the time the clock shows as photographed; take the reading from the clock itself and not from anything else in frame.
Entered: 8:21:50
